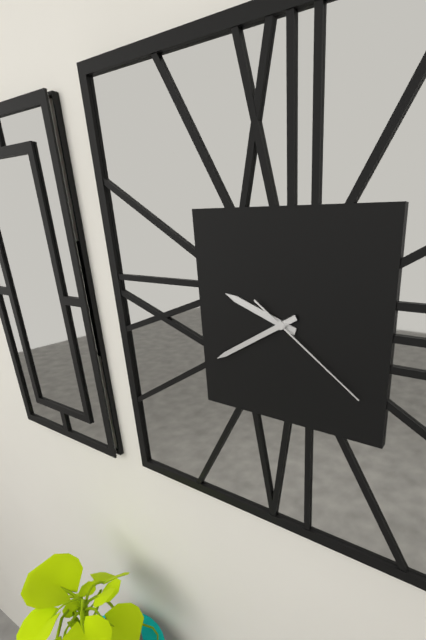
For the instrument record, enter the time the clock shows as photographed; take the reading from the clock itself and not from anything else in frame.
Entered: 9:40:21
